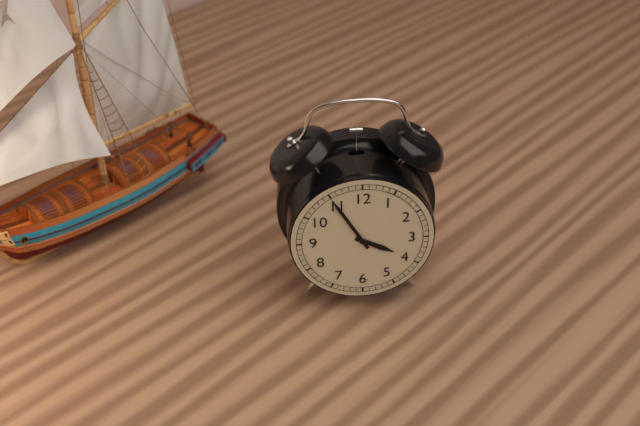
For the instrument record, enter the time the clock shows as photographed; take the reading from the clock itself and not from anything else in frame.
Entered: 3:55
